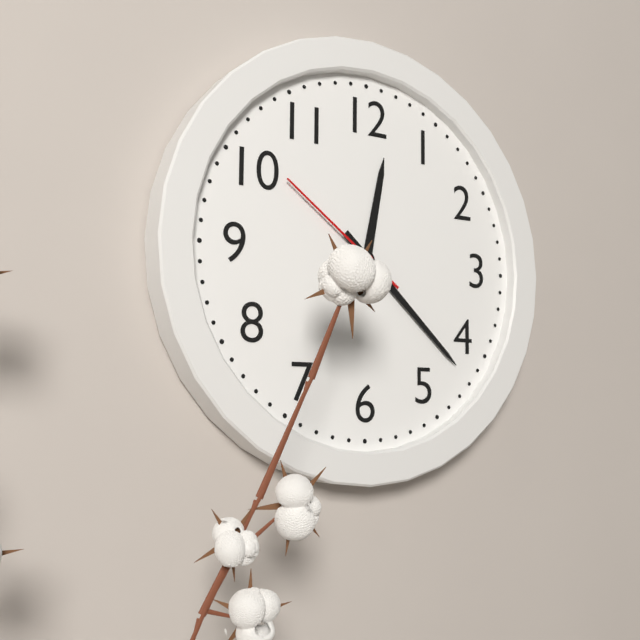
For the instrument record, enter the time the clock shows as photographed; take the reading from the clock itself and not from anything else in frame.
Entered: 12:22:51
